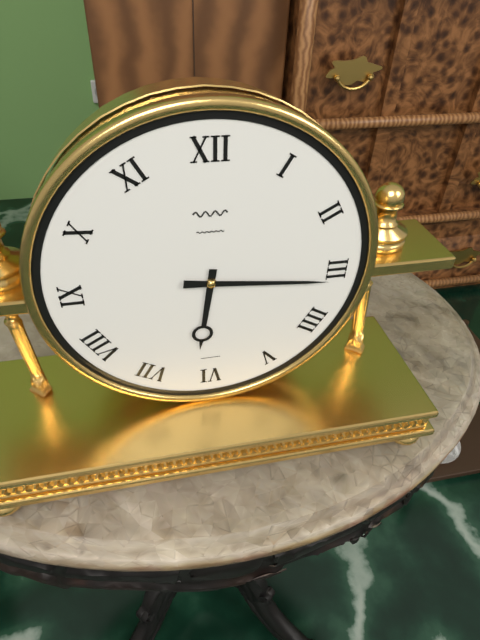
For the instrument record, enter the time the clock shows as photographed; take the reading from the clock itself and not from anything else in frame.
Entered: 6:16
